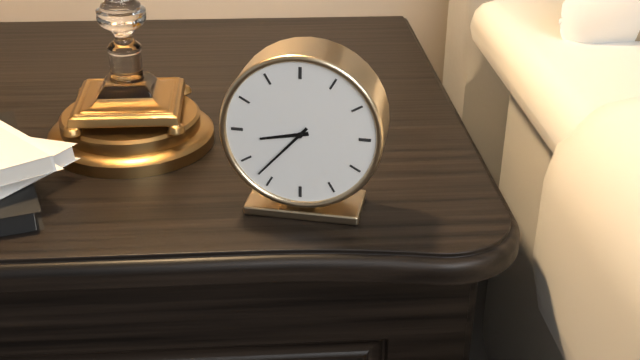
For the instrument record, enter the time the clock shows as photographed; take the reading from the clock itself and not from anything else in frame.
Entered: 8:37
